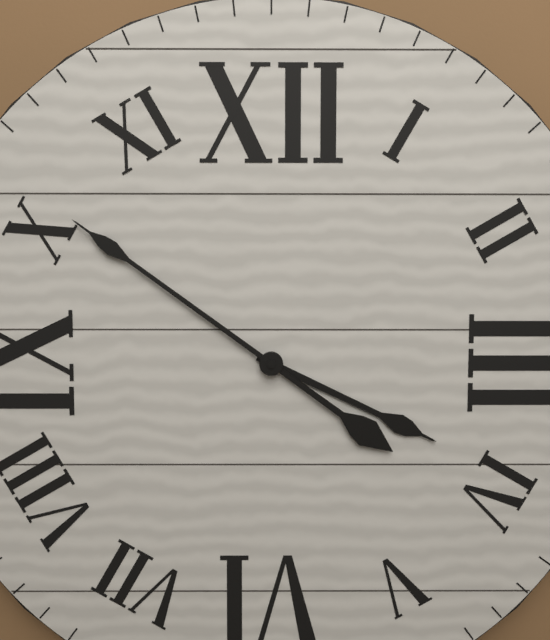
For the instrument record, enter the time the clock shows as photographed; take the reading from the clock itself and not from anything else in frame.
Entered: 3:51
